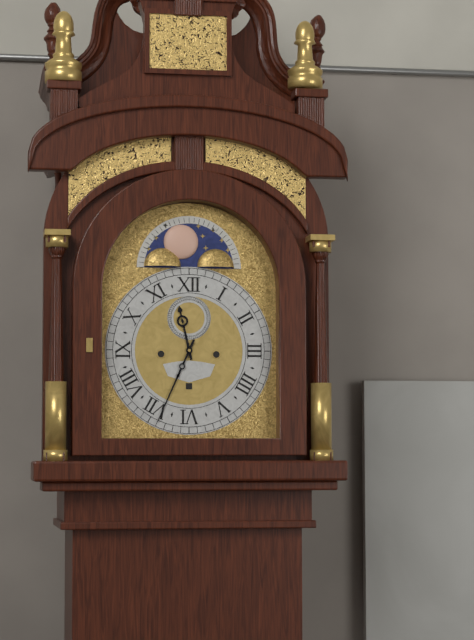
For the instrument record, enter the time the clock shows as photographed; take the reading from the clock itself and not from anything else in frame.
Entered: 11:34
